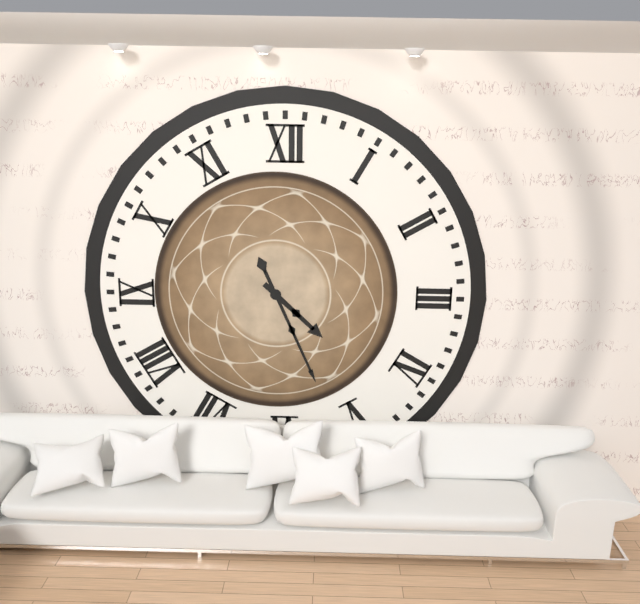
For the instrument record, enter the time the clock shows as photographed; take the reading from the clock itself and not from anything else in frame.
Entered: 4:26
